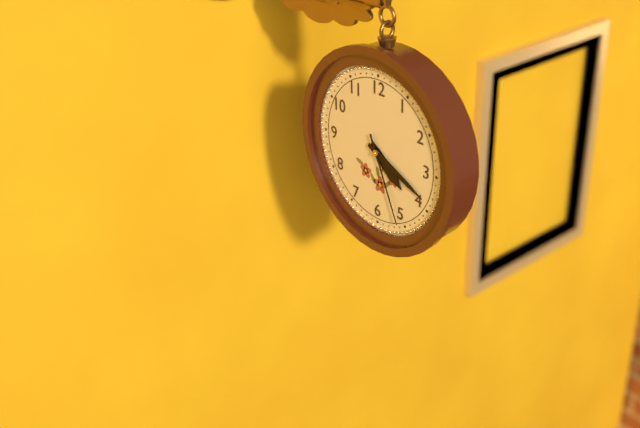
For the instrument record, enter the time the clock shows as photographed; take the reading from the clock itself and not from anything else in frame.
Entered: 4:19:26
